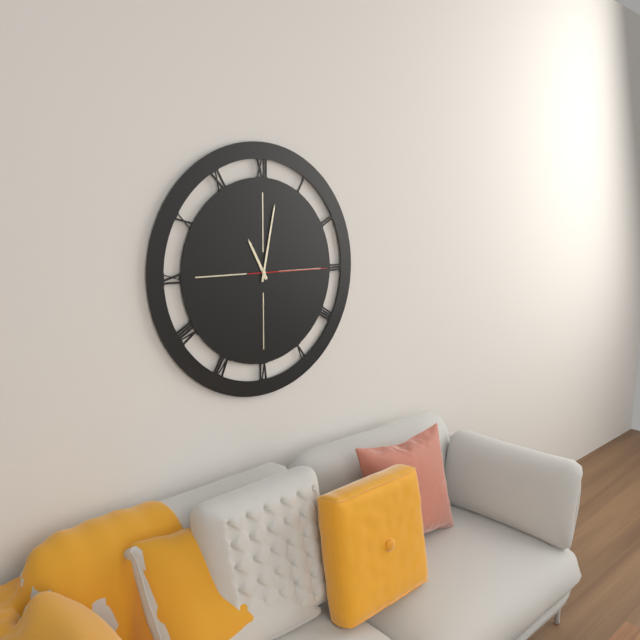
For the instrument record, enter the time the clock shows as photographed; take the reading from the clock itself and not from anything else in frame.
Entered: 11:02:15
